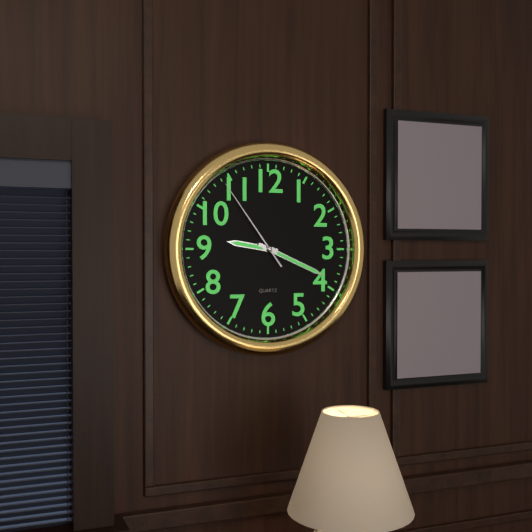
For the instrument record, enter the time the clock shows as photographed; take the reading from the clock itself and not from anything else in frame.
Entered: 9:19:54
